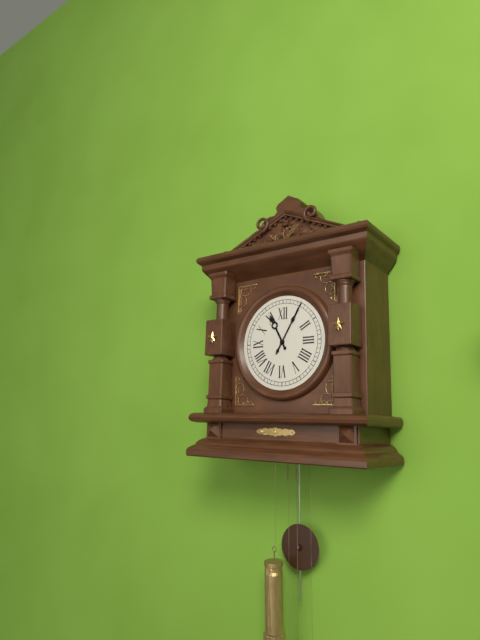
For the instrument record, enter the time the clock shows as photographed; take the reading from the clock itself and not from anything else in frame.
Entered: 11:05
